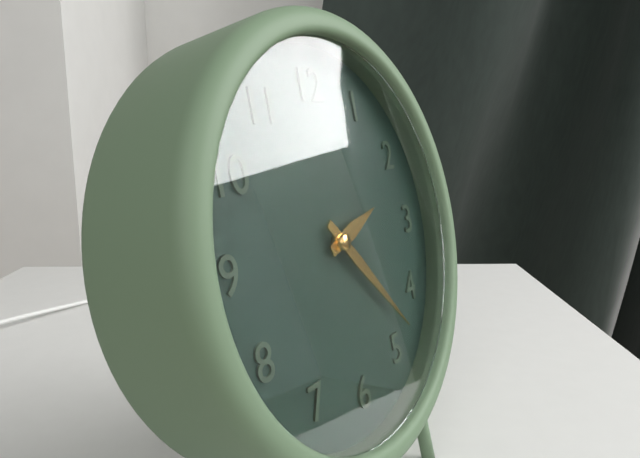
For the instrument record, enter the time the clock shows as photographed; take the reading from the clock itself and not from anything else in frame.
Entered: 2:23
